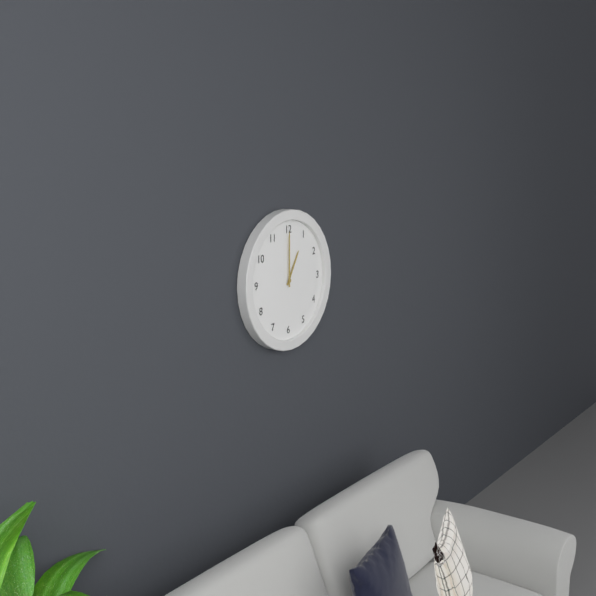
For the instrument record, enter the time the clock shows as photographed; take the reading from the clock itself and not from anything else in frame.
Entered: 1:00
